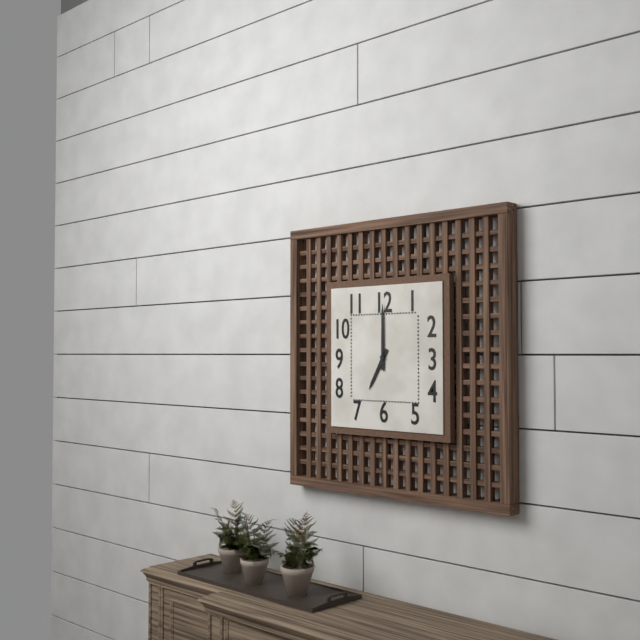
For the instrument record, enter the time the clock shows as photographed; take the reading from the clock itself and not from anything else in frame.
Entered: 7:00
